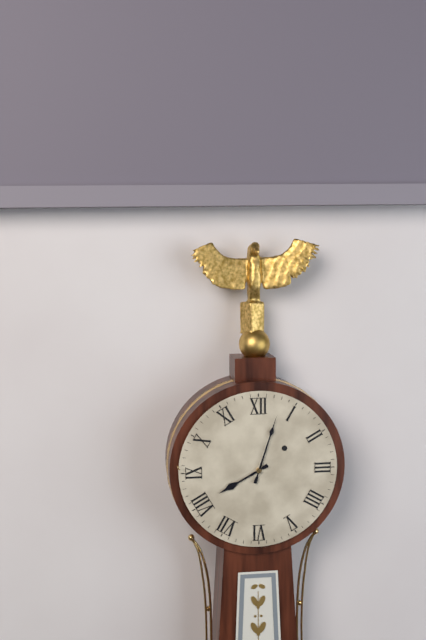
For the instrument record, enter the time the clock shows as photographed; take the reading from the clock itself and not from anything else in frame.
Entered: 8:03
